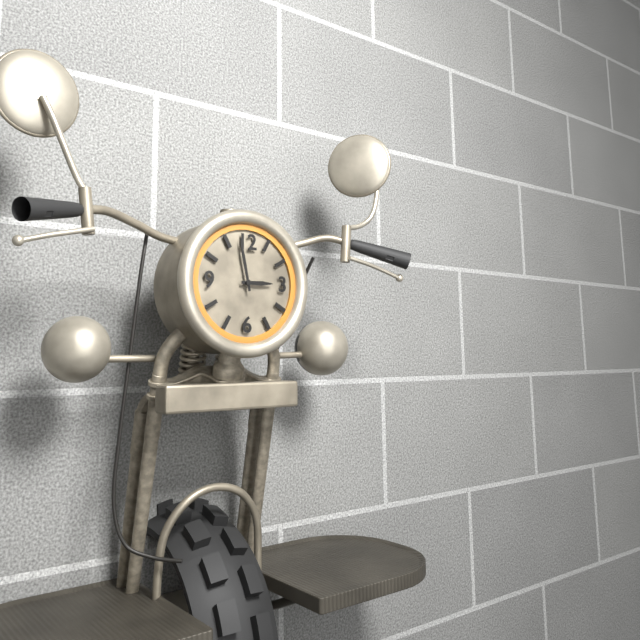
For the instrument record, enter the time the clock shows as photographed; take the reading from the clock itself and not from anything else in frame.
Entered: 2:58
